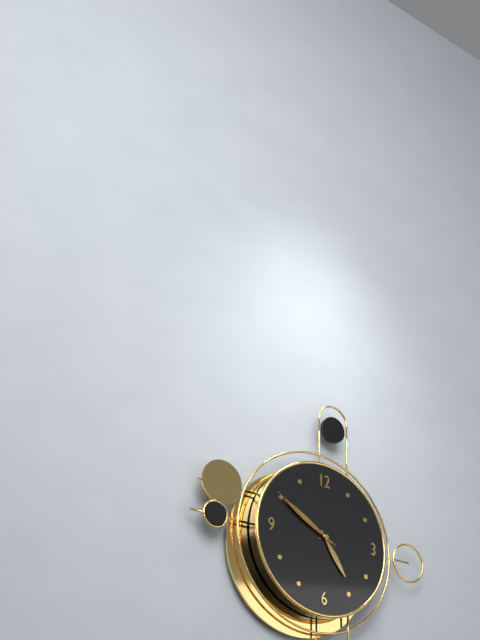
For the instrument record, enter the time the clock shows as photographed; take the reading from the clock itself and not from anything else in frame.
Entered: 4:50:50
